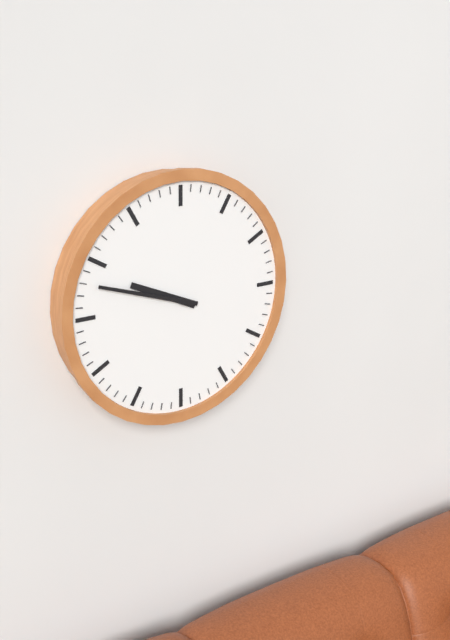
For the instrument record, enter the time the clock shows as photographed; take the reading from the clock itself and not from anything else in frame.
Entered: 9:48
